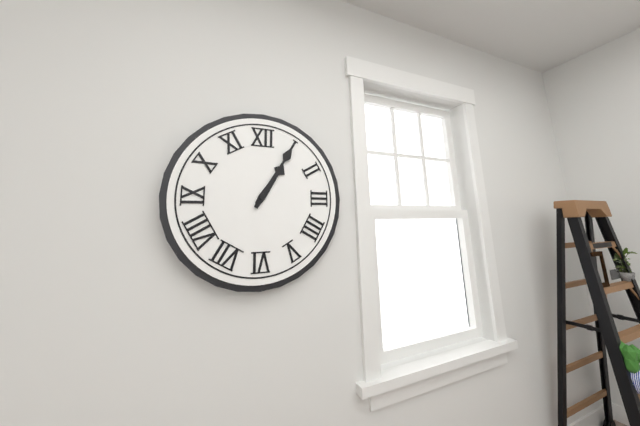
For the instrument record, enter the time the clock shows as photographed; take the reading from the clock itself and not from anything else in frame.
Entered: 1:05
